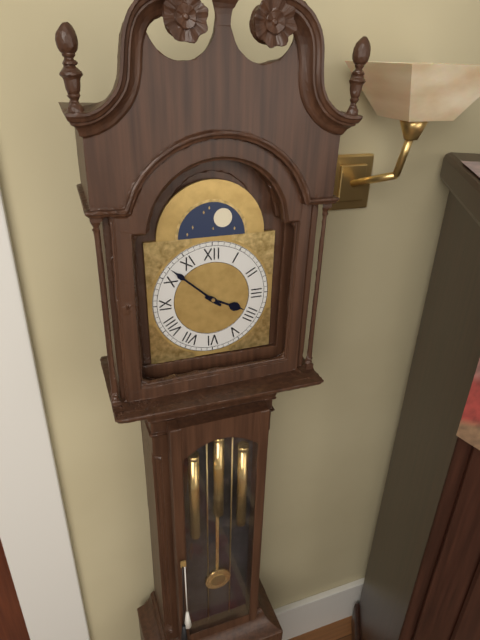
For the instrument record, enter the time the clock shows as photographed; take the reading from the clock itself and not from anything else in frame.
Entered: 3:52
